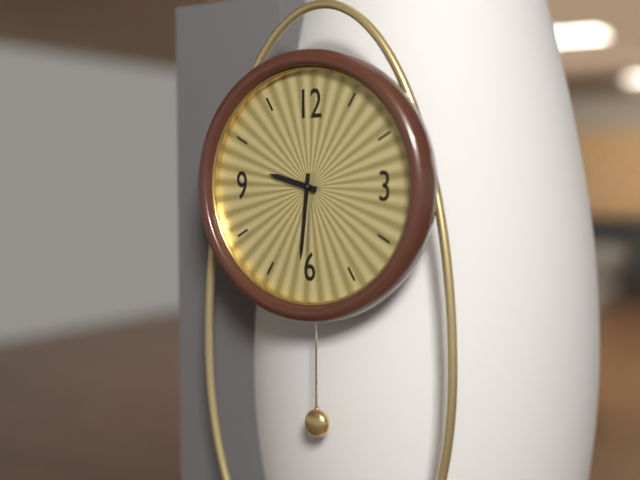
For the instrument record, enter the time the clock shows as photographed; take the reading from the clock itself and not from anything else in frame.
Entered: 9:31
